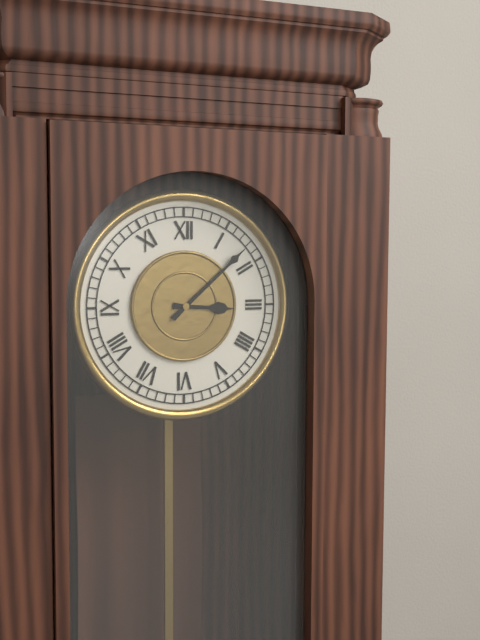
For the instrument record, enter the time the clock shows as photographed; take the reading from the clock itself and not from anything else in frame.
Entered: 3:08
